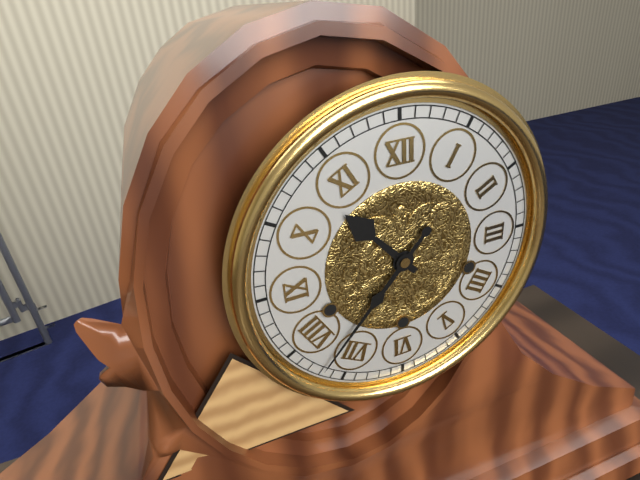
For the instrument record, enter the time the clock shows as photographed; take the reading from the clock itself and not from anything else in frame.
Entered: 10:37
